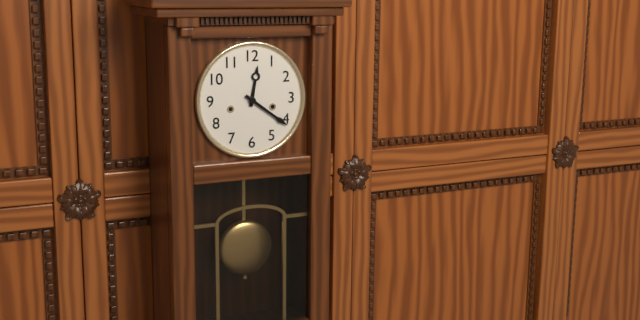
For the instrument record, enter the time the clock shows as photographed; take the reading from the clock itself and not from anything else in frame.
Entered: 12:21
